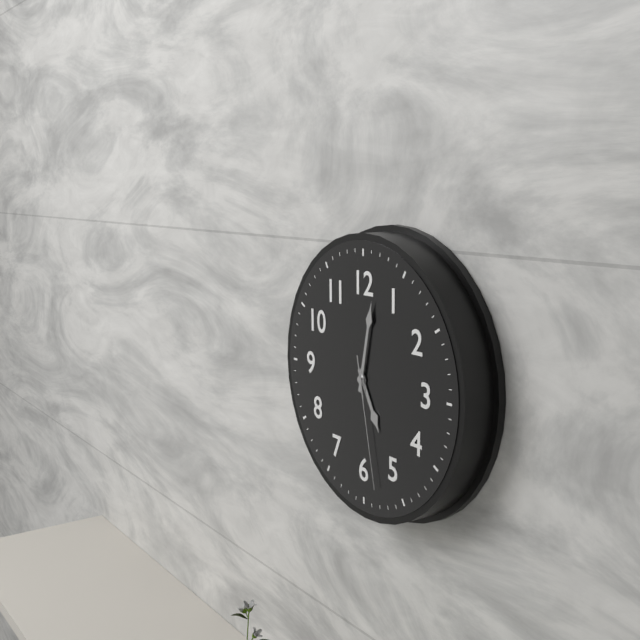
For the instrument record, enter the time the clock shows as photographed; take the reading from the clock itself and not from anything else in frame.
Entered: 5:02:28
